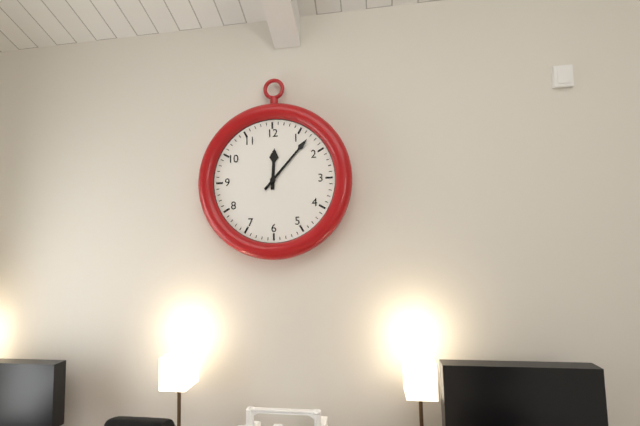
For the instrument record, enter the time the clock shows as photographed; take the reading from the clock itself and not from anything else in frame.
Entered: 12:07
